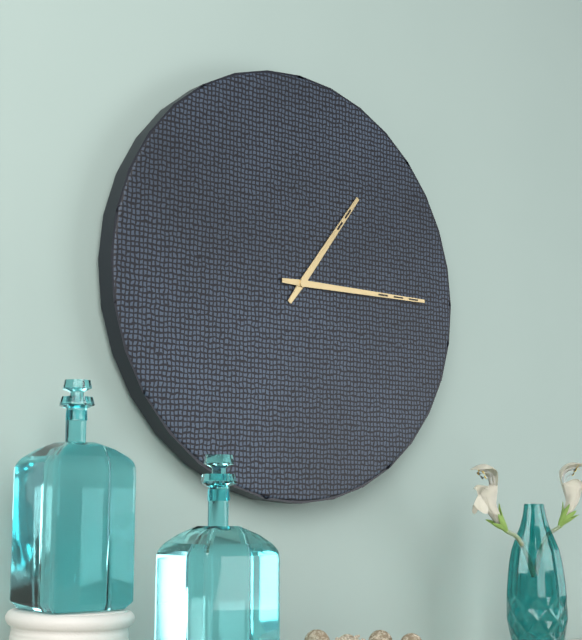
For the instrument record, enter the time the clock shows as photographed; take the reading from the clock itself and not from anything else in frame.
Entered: 1:15
